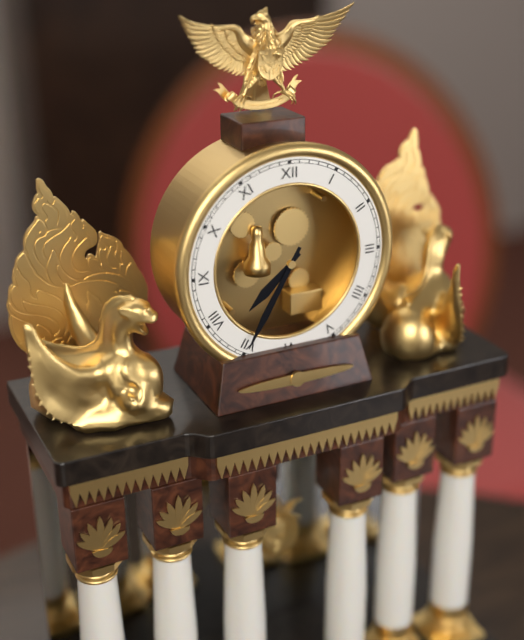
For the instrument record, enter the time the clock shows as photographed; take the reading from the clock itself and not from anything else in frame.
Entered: 7:35
